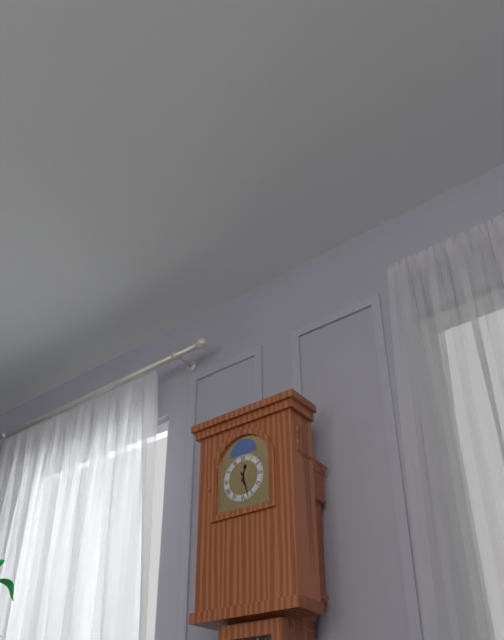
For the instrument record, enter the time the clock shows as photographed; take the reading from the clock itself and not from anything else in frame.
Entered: 12:27
